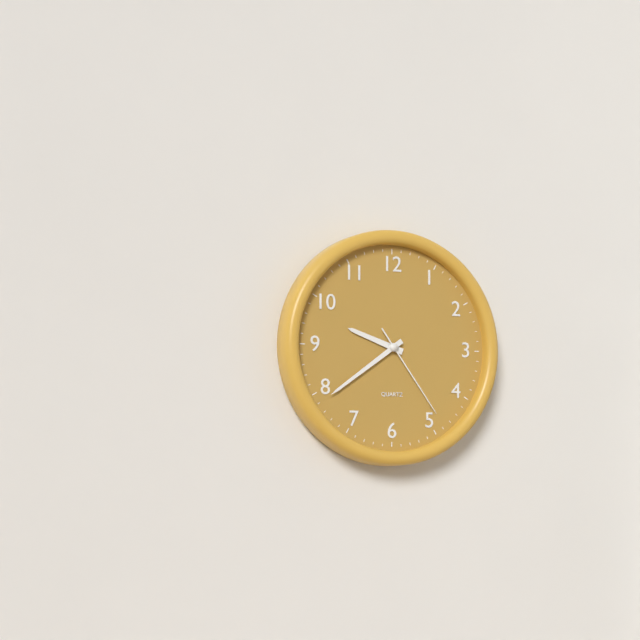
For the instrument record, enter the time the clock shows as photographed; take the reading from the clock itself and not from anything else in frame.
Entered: 9:39:24
